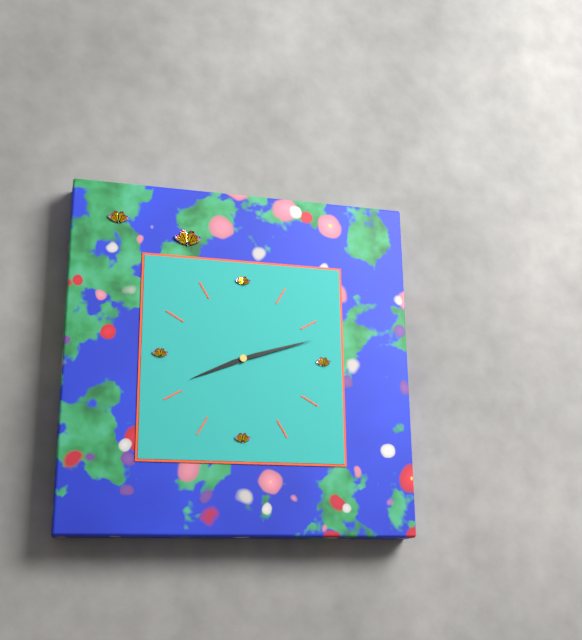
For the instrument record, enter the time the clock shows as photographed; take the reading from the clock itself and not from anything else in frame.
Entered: 8:12
